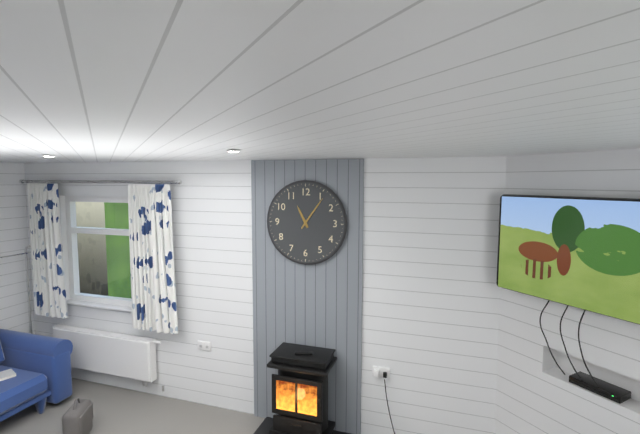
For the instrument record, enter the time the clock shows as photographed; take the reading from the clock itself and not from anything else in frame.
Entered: 11:06
